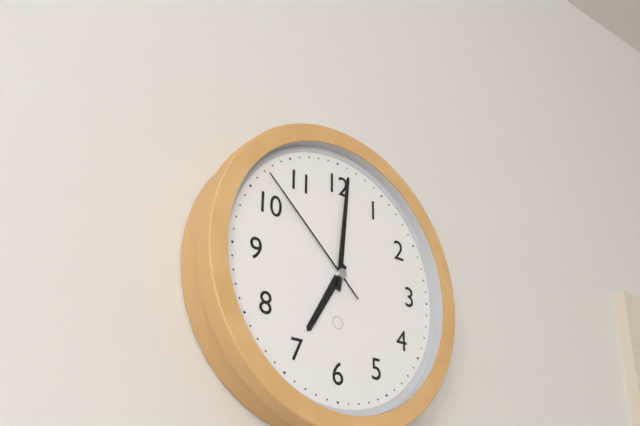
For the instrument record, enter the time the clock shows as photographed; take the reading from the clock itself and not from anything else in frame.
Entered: 7:01:52
